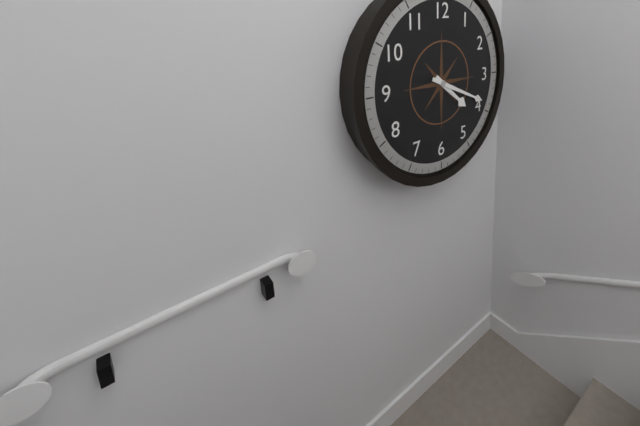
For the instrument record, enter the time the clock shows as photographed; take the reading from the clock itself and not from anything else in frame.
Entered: 4:19
